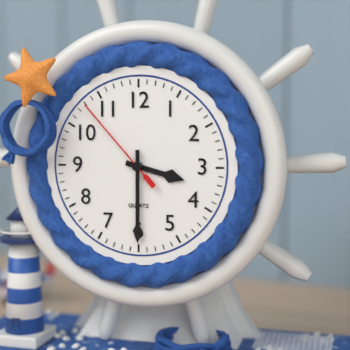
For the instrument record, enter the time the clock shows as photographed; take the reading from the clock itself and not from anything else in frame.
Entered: 3:30:53
